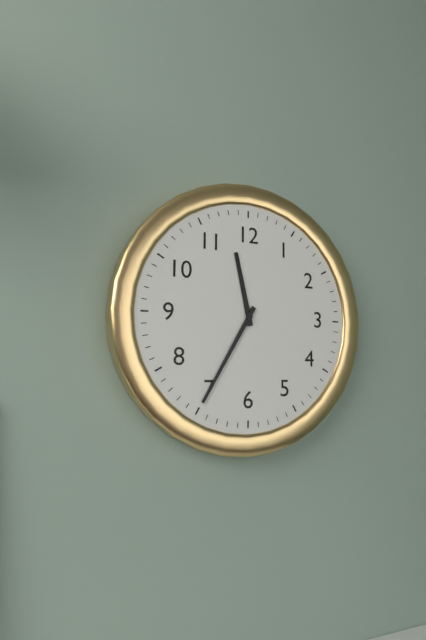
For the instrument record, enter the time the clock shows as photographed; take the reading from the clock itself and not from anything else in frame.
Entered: 11:35
